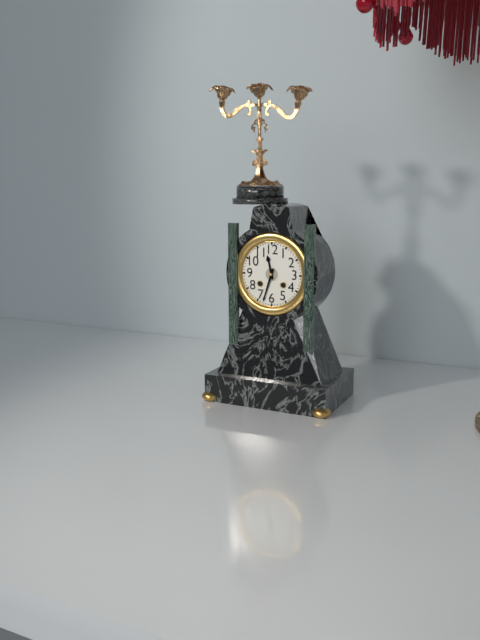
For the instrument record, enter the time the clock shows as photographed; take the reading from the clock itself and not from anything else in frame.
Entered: 11:33
